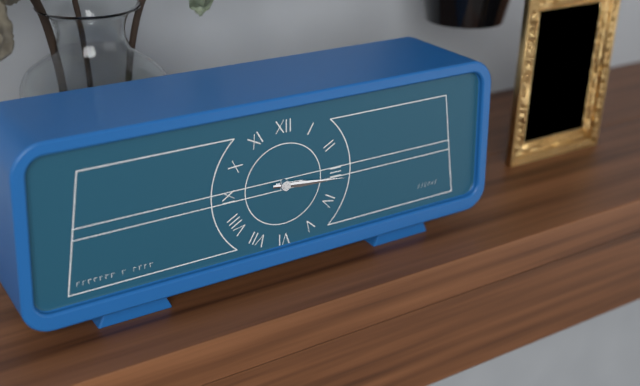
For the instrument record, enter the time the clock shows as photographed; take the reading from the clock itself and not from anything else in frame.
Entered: 3:16
